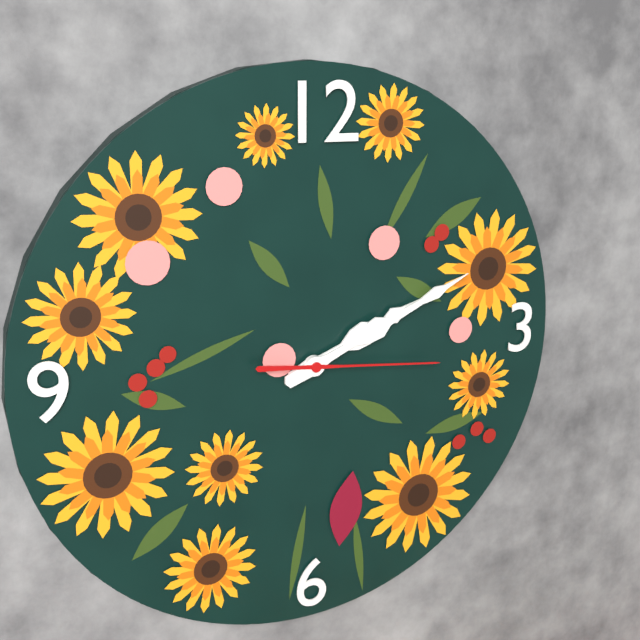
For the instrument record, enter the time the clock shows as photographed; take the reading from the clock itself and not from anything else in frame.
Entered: 2:11:16
